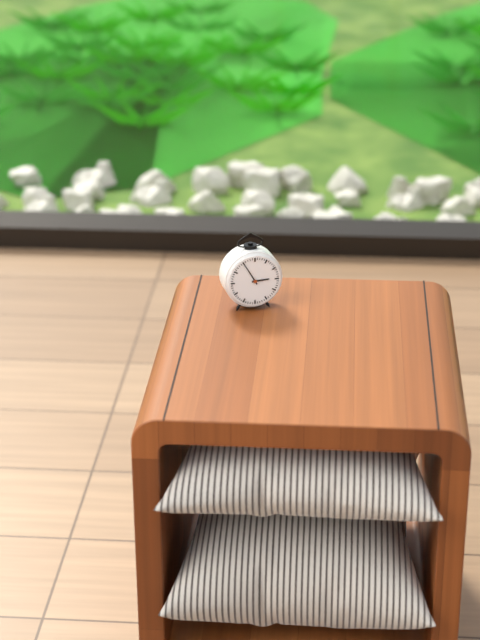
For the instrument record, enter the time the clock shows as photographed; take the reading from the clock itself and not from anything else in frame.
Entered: 2:55
